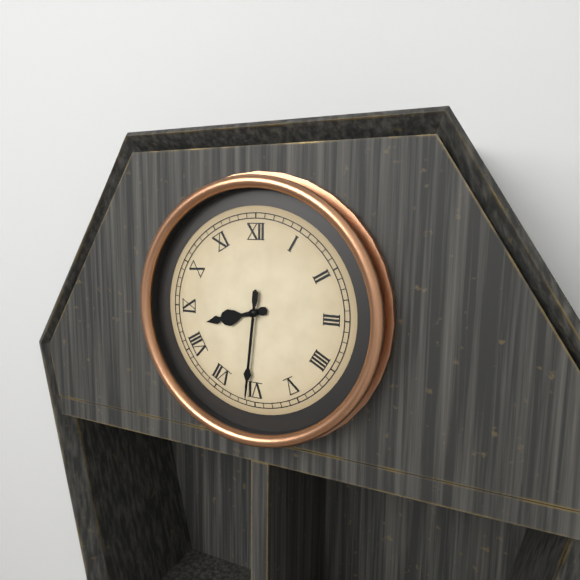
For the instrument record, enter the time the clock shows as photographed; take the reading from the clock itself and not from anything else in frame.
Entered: 8:31
